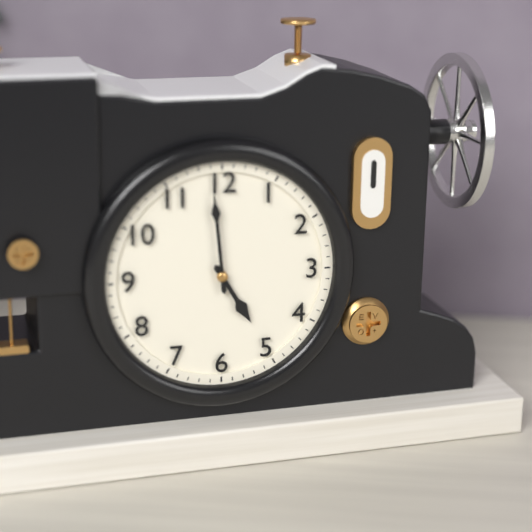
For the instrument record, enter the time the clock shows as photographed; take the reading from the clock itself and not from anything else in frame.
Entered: 4:59
